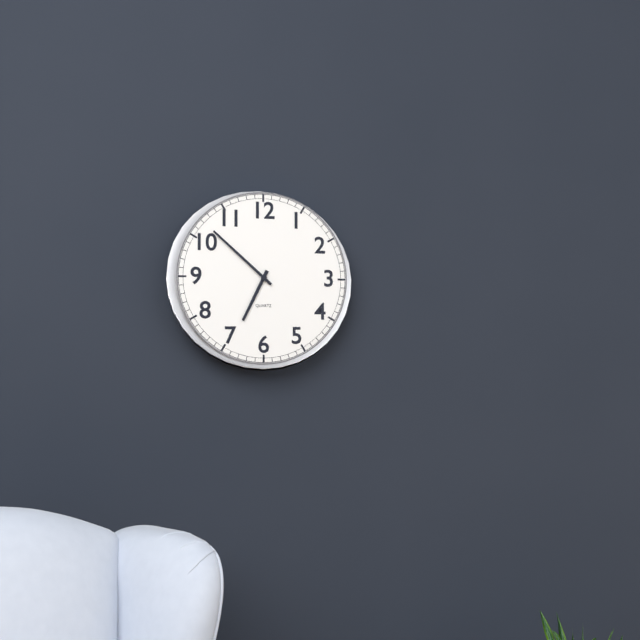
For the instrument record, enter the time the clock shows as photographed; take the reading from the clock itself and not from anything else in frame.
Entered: 6:52
